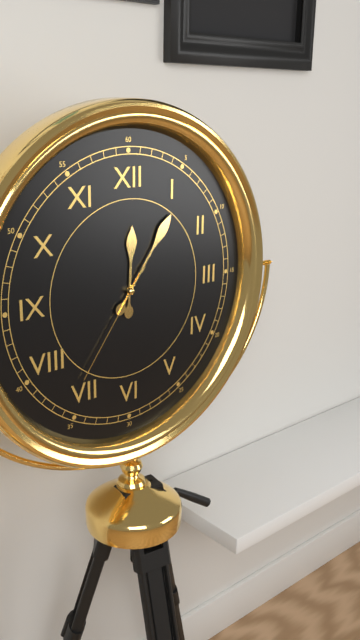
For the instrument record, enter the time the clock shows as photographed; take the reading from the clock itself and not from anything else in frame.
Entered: 12:06:36
